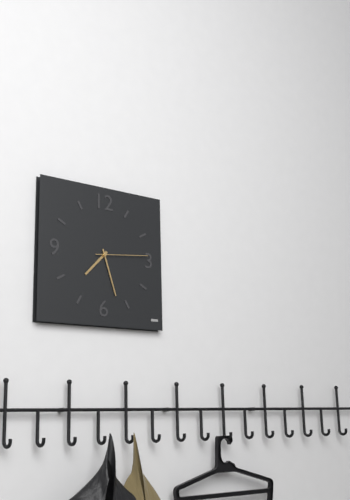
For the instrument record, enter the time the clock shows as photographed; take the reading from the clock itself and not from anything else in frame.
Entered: 7:27:14
